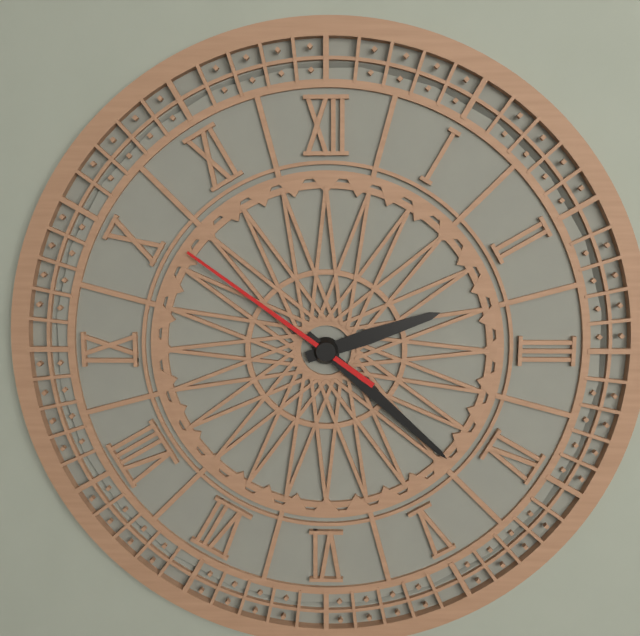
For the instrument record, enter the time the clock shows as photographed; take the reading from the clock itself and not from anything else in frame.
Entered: 2:22:51
